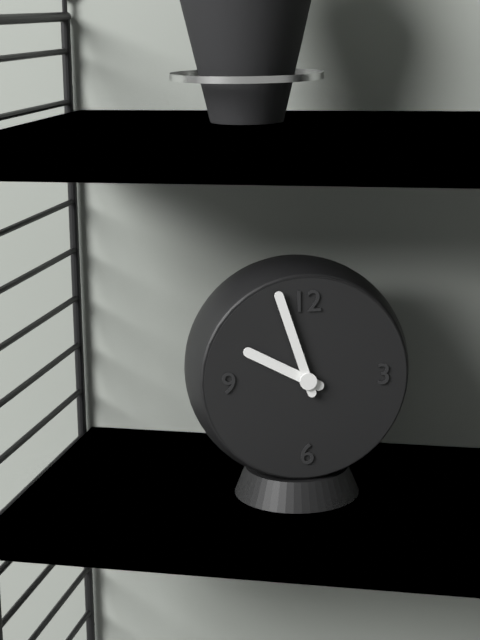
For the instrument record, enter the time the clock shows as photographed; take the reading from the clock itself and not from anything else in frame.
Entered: 9:57
